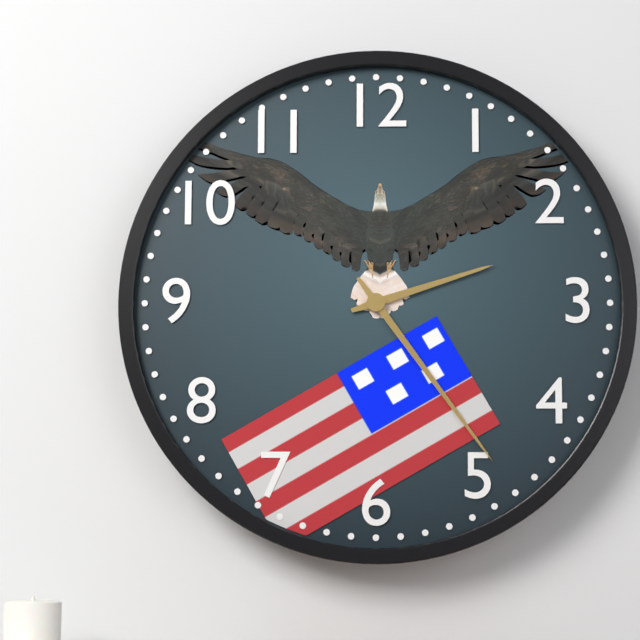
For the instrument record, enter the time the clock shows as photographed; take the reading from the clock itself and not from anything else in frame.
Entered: 2:24
